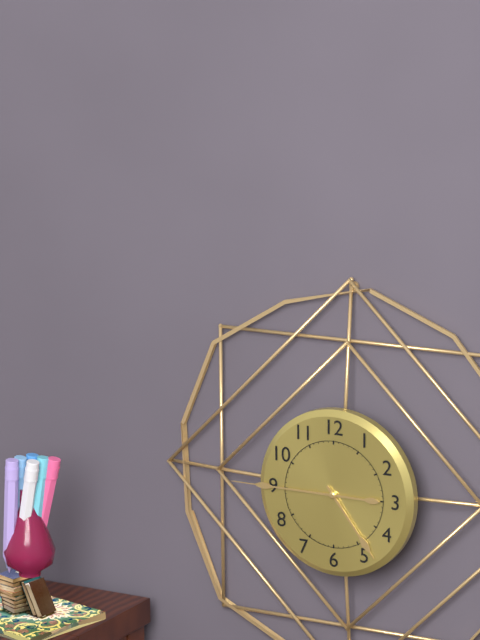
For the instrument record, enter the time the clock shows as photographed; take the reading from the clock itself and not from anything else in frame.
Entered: 4:45
